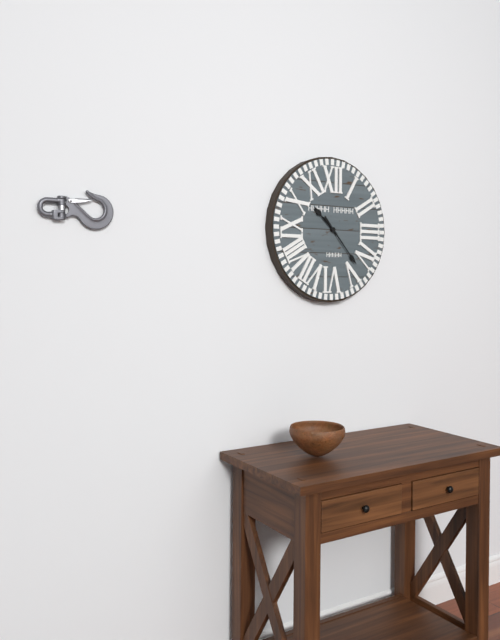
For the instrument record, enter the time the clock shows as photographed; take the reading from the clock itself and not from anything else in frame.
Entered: 10:23
